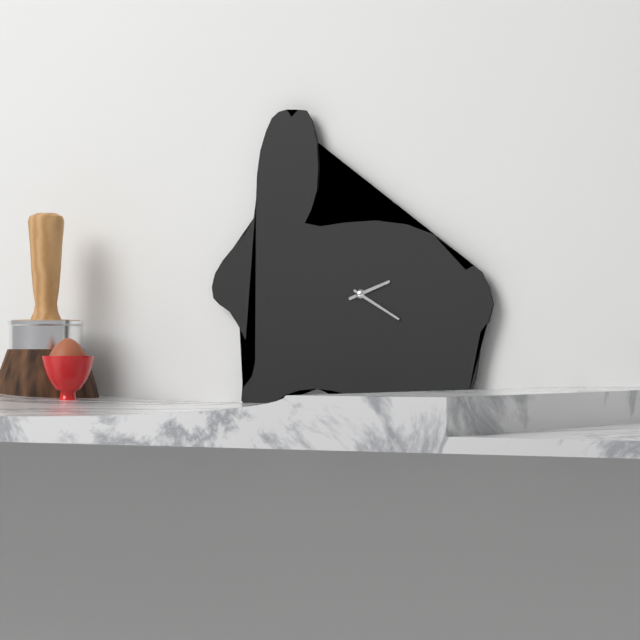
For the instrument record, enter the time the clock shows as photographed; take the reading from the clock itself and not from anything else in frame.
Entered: 2:20
